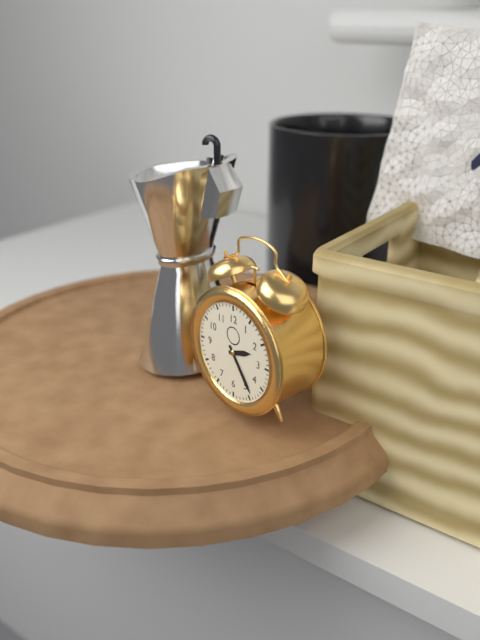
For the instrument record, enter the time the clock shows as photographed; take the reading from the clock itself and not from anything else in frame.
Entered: 2:24
